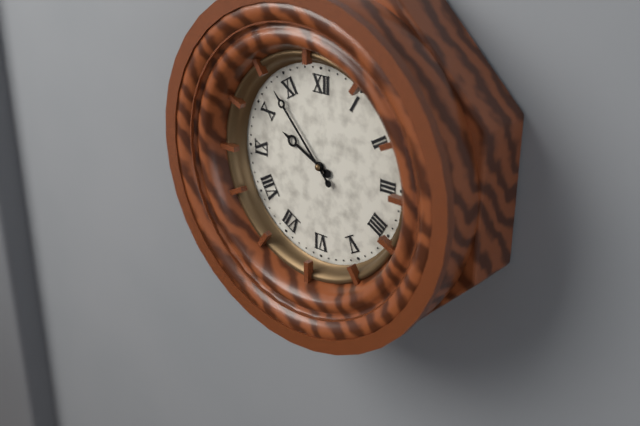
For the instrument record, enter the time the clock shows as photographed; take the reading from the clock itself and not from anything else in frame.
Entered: 9:53
